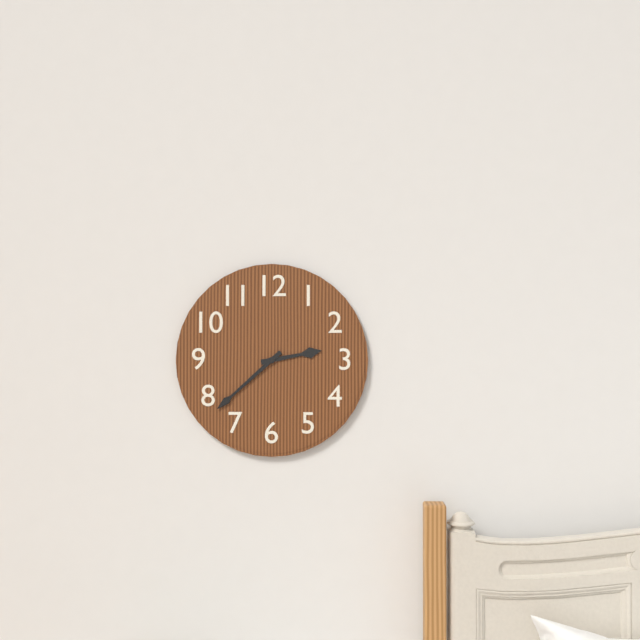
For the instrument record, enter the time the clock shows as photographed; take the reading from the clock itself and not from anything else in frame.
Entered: 2:38
